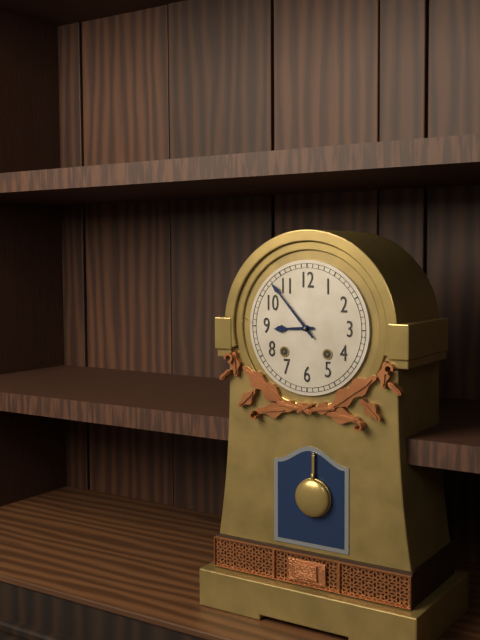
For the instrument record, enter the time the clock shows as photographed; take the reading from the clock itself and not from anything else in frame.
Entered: 8:53
